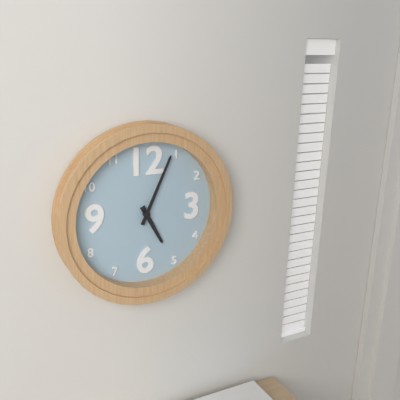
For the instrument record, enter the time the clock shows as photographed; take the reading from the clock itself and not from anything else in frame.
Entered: 5:04
